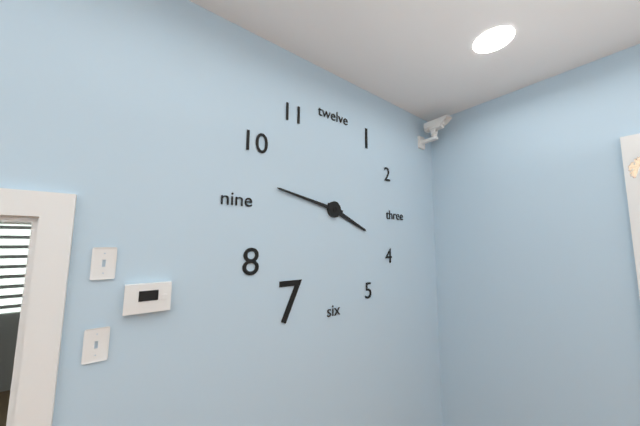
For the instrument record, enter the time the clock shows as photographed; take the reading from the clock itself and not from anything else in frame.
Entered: 3:47
